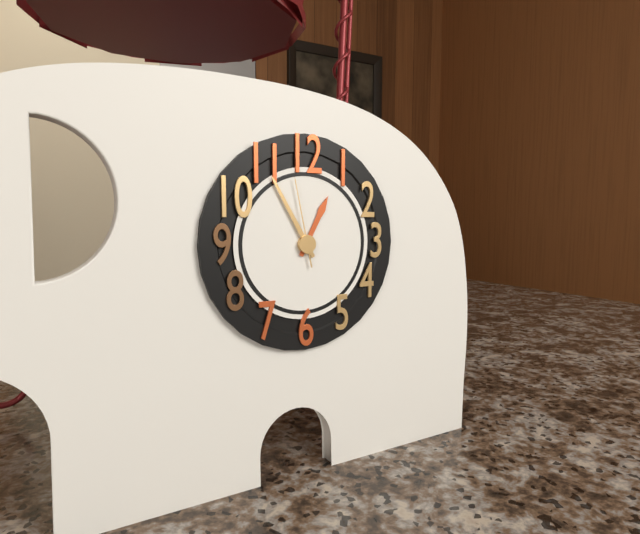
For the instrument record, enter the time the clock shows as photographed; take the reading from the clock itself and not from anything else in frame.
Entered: 12:55:58
